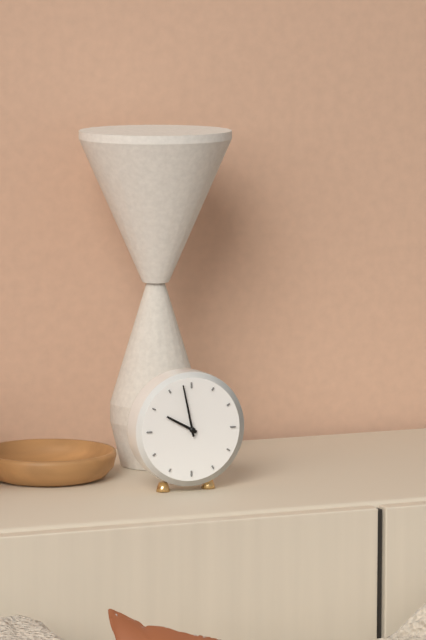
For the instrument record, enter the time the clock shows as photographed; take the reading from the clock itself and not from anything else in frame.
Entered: 9:58
